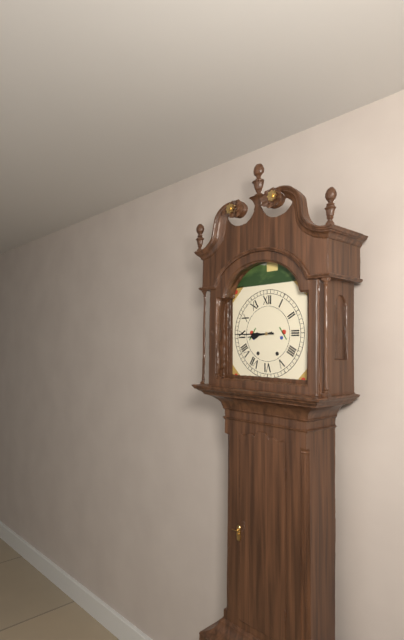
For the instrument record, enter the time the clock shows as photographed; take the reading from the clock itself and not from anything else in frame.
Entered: 8:45
